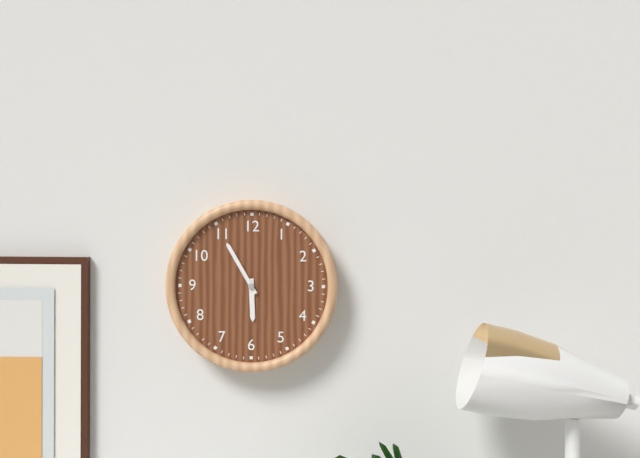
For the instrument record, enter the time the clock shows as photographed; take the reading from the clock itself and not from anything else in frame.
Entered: 5:55
